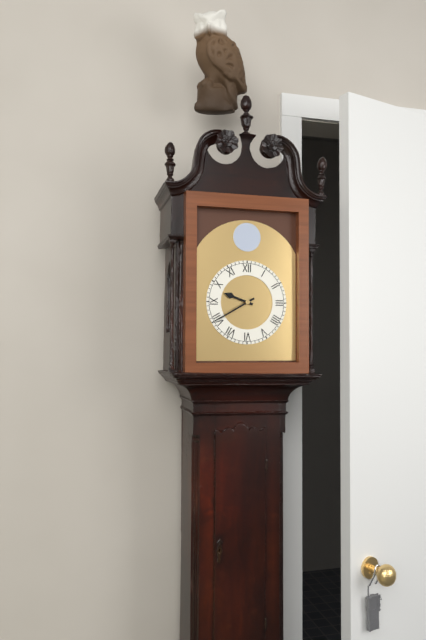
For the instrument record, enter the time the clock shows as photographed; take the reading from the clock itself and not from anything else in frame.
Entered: 9:40
